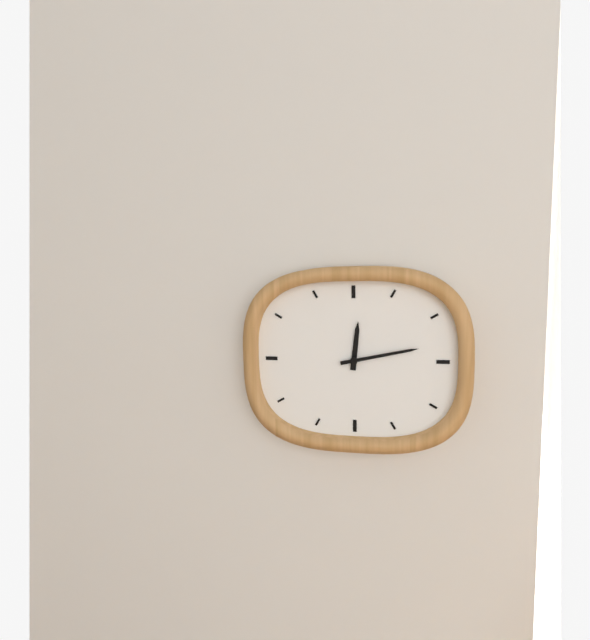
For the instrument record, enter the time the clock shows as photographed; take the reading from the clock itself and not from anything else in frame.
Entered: 12:13
